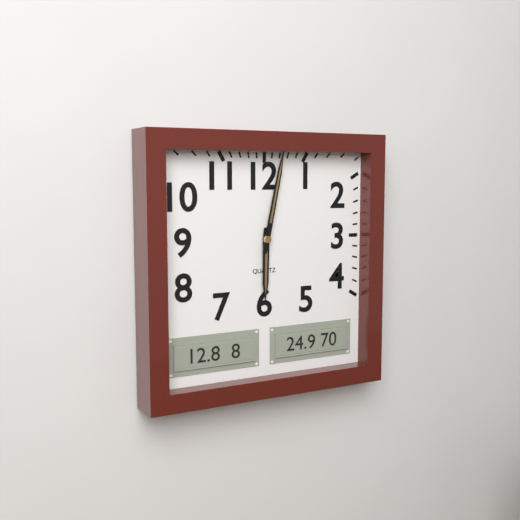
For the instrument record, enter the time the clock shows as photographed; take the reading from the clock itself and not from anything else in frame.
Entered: 6:02
